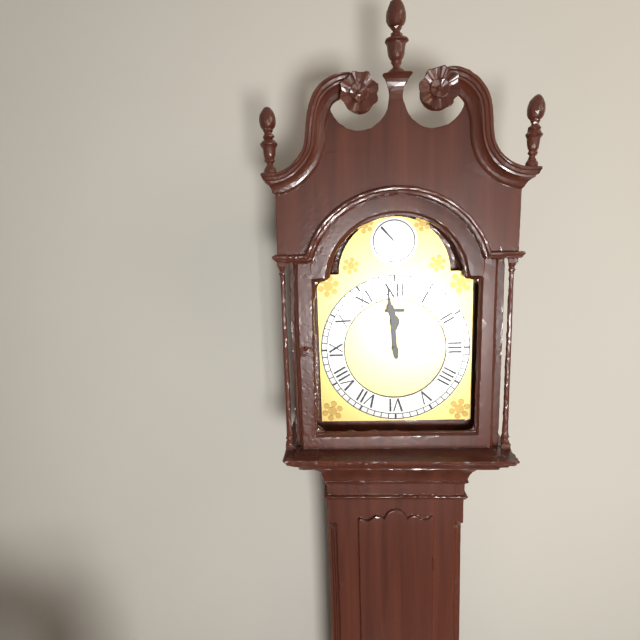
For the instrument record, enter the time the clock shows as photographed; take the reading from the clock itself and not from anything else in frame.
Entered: 11:59
